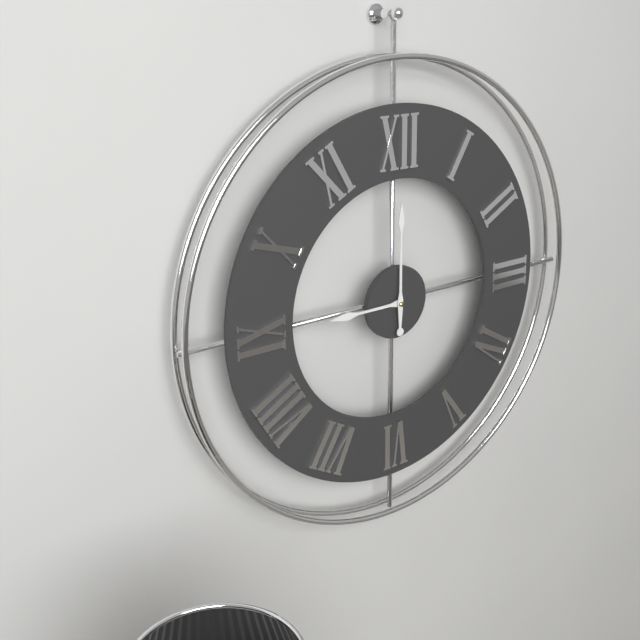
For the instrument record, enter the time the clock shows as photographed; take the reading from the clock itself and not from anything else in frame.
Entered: 9:00
